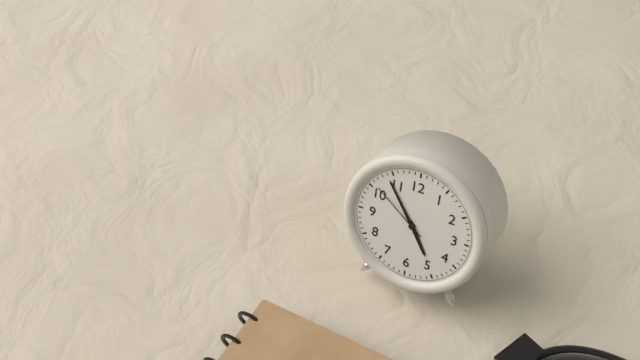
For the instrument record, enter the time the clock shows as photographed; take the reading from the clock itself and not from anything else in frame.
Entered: 4:54:51
